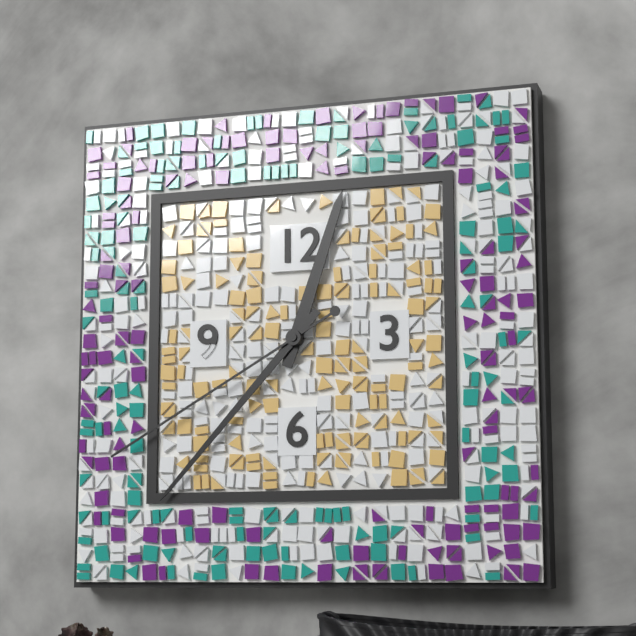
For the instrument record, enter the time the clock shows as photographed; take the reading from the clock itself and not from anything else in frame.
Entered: 12:37:40
